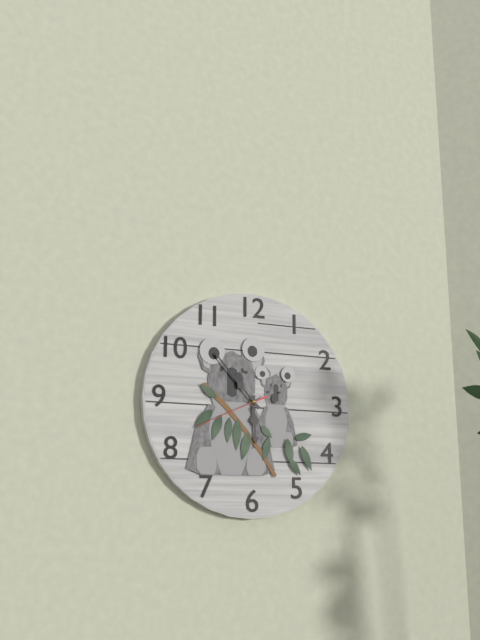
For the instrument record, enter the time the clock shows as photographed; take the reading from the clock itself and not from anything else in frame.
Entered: 5:53:41
